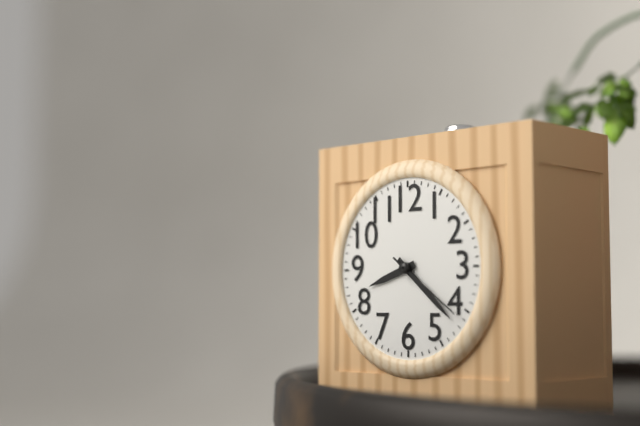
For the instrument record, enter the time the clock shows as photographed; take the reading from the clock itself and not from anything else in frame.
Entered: 8:22:21
